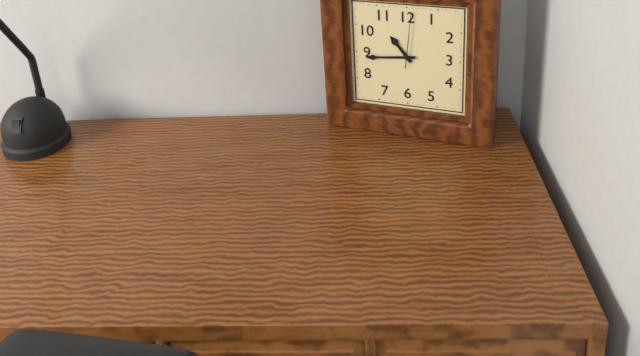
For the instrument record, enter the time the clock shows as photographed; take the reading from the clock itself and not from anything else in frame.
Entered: 10:44:01
